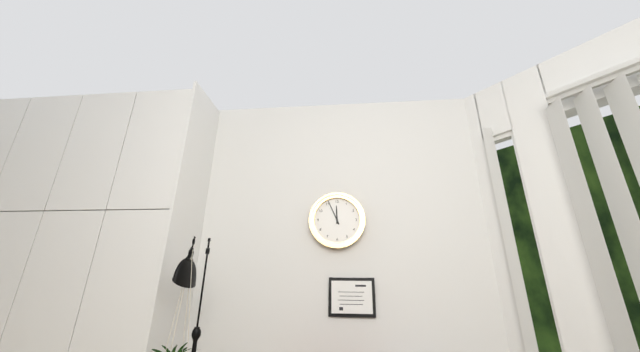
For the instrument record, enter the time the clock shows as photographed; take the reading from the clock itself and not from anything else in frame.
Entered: 11:56
